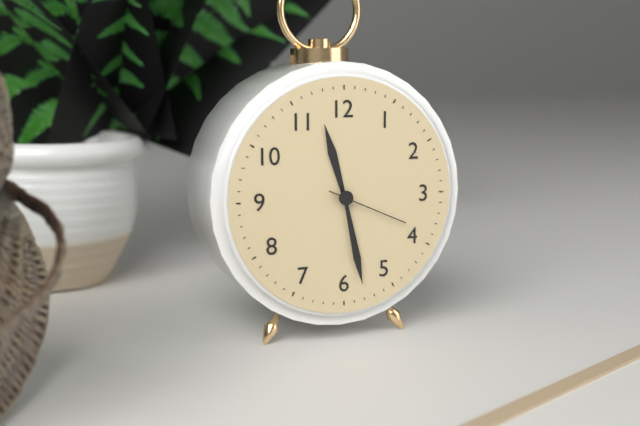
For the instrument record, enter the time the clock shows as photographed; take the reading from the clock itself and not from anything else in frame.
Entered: 11:28:19
